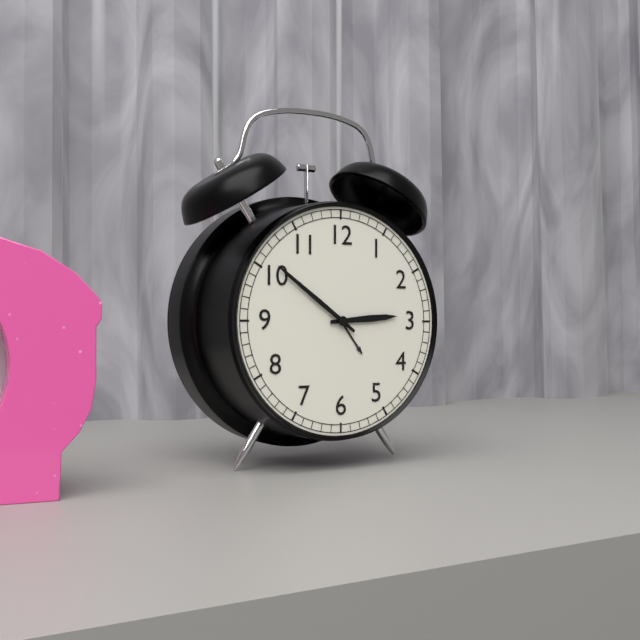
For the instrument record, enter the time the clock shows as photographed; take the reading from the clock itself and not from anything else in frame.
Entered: 2:51
